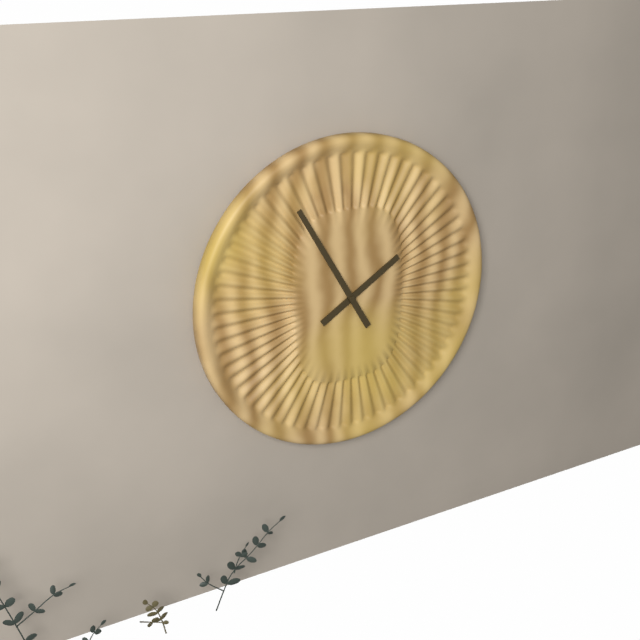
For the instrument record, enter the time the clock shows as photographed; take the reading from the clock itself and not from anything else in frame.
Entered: 1:55
